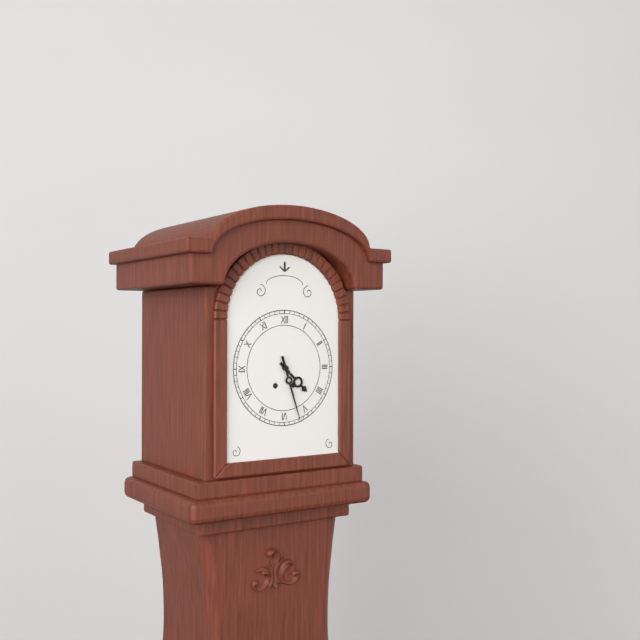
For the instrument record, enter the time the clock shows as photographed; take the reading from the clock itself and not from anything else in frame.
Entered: 4:27
